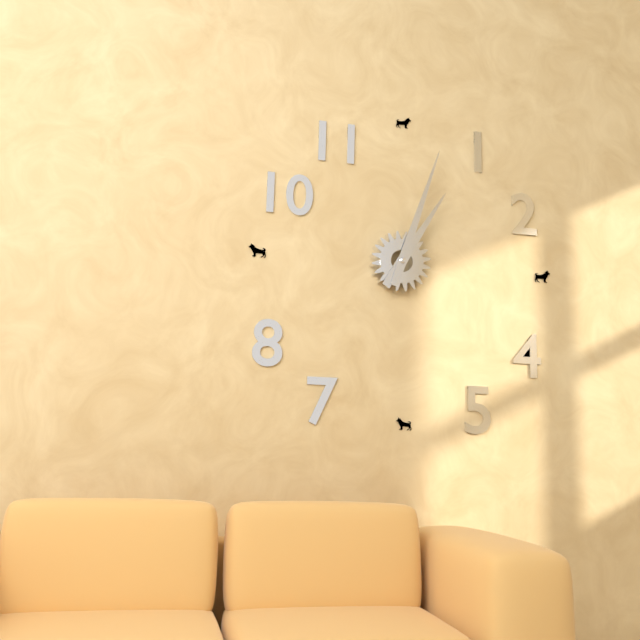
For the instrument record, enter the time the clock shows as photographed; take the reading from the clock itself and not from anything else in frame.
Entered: 1:03
